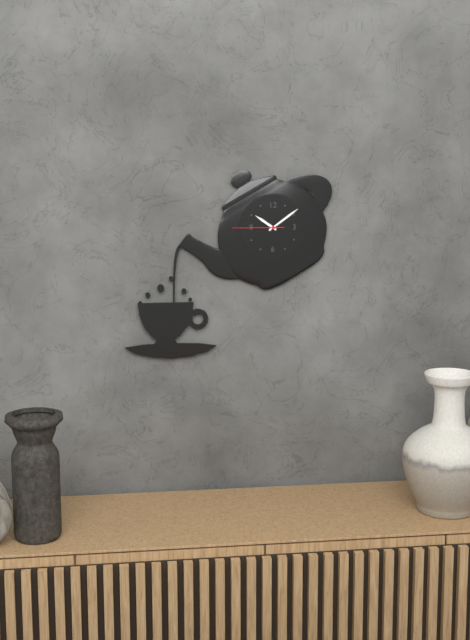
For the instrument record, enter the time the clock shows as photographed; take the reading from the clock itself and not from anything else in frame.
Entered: 10:09:45
